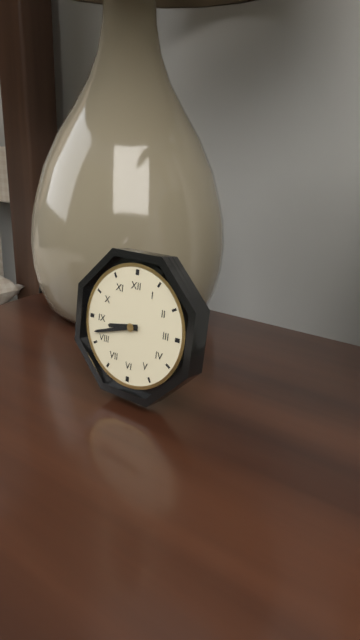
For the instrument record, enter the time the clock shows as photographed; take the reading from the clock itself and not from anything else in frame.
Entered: 8:42
